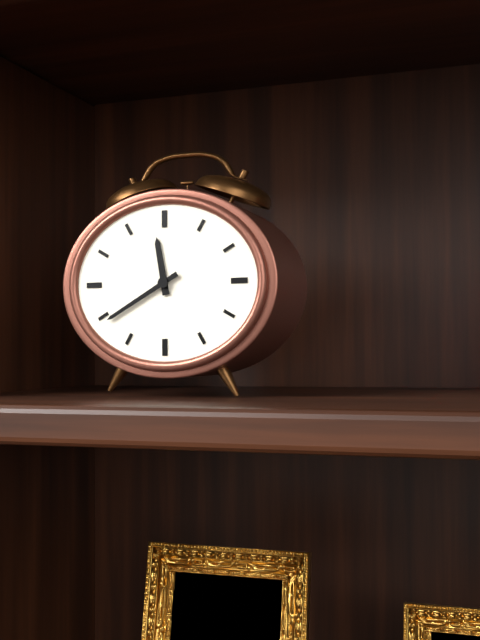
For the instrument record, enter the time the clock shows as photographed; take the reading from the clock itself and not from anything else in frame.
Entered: 11:40
